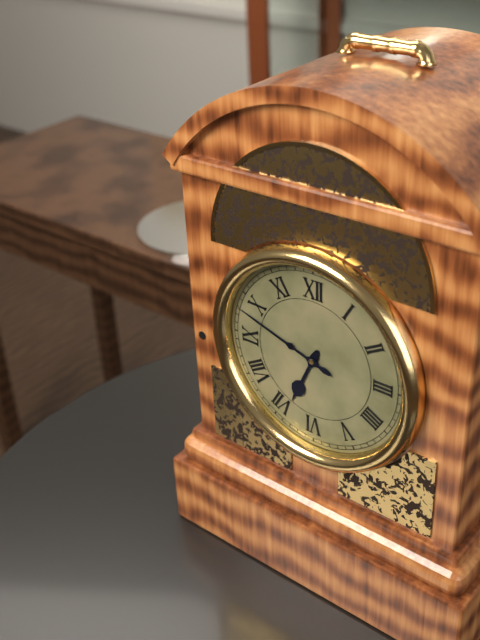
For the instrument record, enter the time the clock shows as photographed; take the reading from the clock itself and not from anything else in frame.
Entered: 6:48
